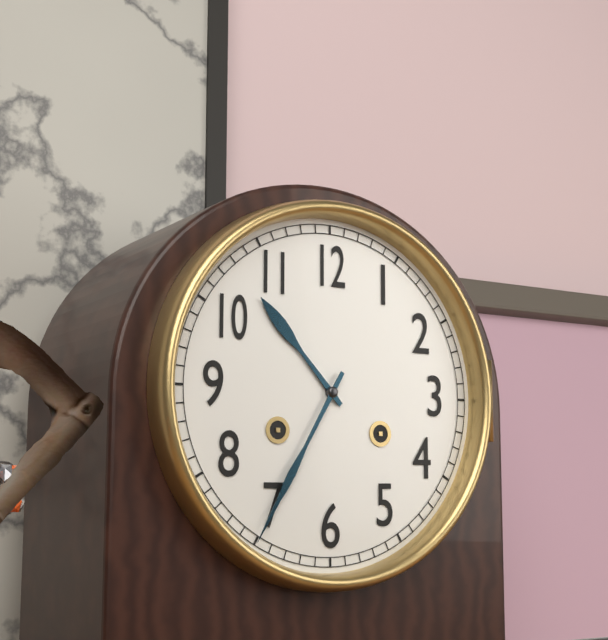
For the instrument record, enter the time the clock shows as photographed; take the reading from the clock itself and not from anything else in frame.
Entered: 10:35
